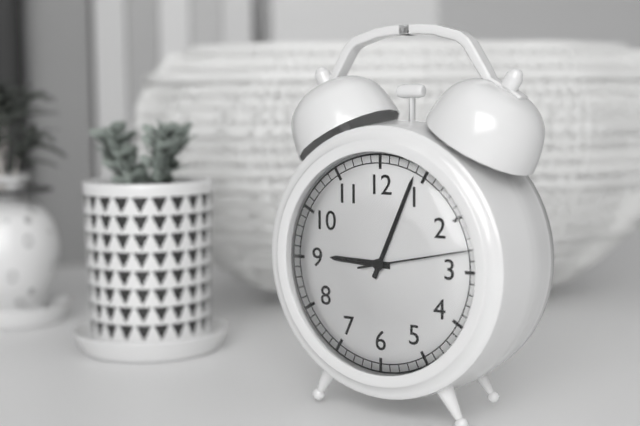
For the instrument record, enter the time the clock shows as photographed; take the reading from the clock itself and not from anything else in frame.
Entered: 9:04:13
